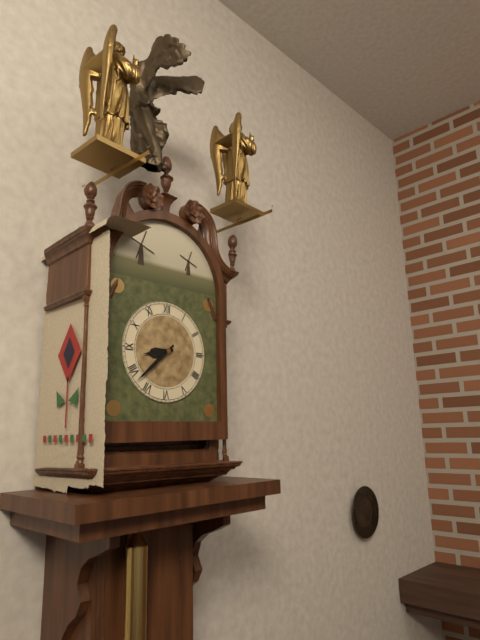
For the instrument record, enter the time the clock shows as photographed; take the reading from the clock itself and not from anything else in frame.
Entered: 8:38
